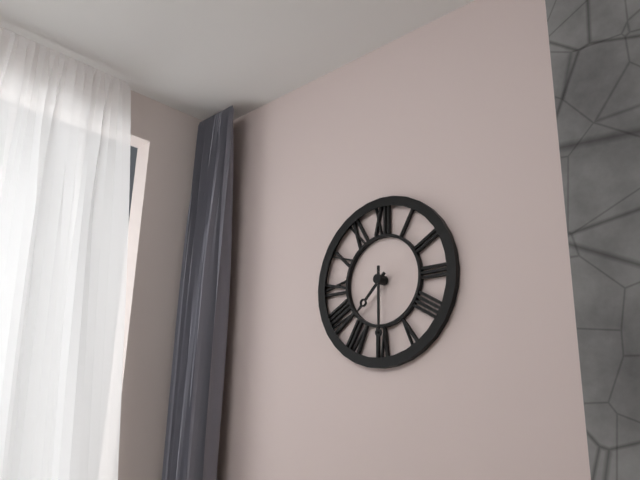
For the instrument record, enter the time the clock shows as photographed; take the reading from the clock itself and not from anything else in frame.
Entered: 7:30
